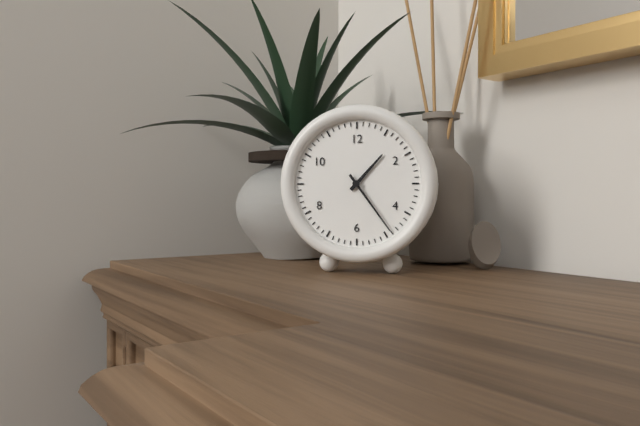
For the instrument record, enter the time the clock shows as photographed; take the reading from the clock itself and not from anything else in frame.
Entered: 1:24
